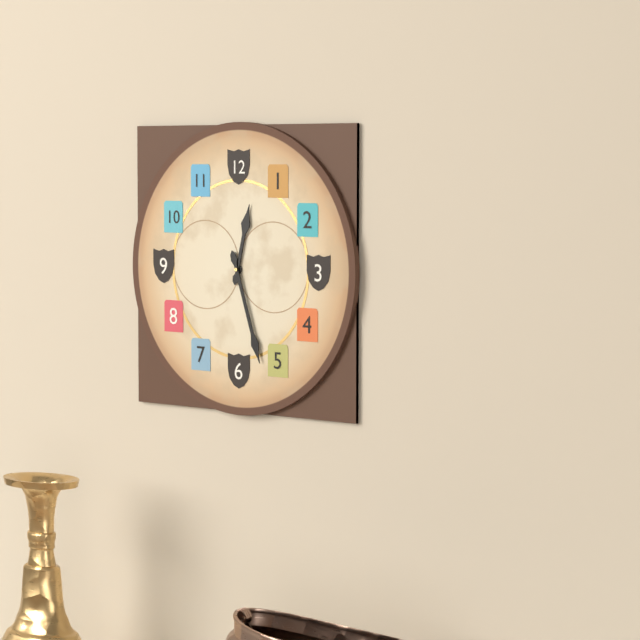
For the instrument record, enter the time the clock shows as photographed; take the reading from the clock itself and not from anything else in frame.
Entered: 12:27
